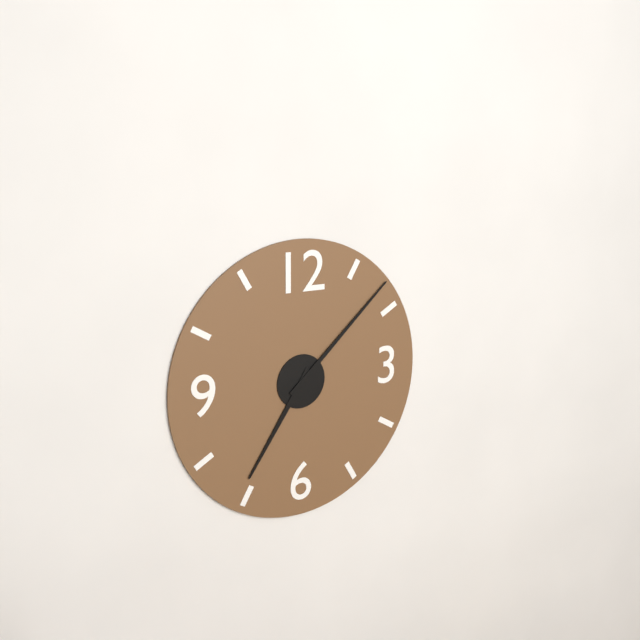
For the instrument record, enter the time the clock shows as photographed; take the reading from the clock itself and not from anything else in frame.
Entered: 7:08
